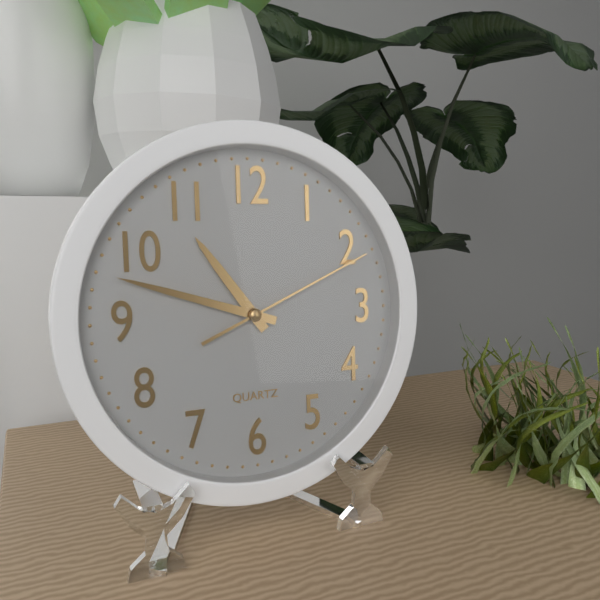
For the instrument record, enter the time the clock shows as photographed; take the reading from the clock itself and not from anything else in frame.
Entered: 10:48:11
